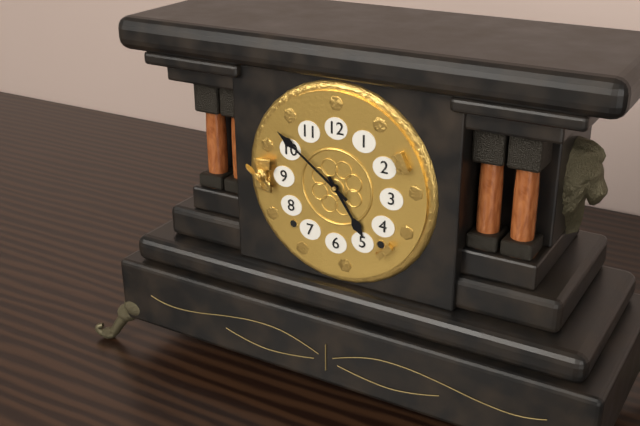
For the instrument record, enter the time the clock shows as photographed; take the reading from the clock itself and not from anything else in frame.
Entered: 4:51
